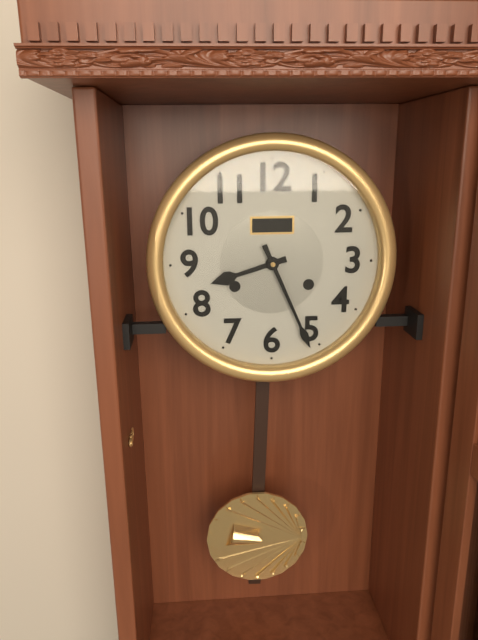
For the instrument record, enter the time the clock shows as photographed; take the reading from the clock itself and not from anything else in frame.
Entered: 8:26
